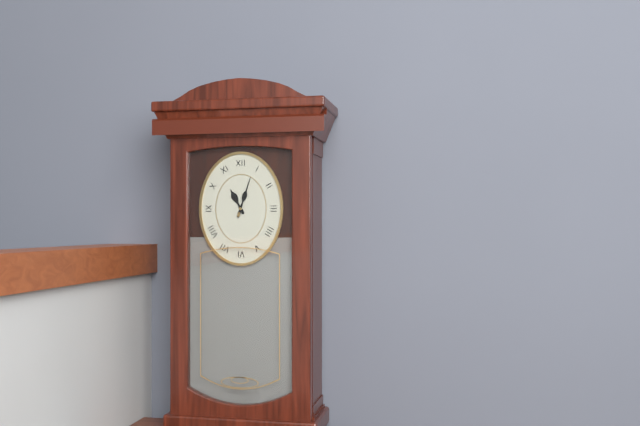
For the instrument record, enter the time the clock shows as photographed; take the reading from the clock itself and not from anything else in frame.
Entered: 11:03
